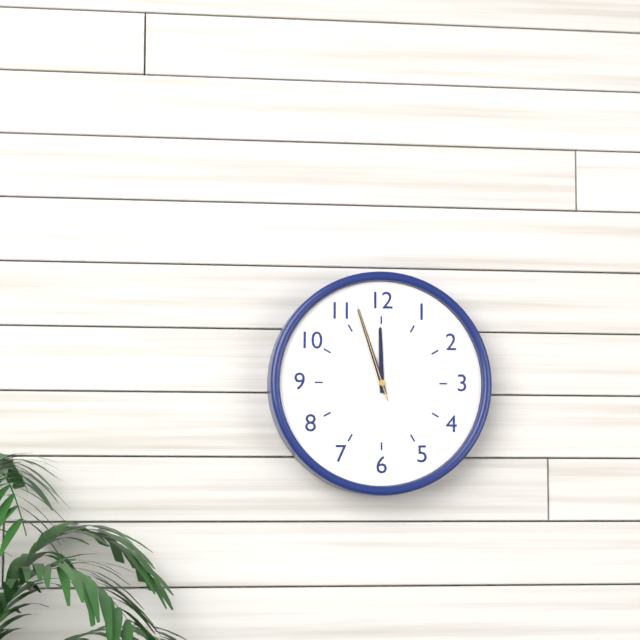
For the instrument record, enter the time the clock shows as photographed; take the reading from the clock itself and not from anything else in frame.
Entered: 11:57:57
